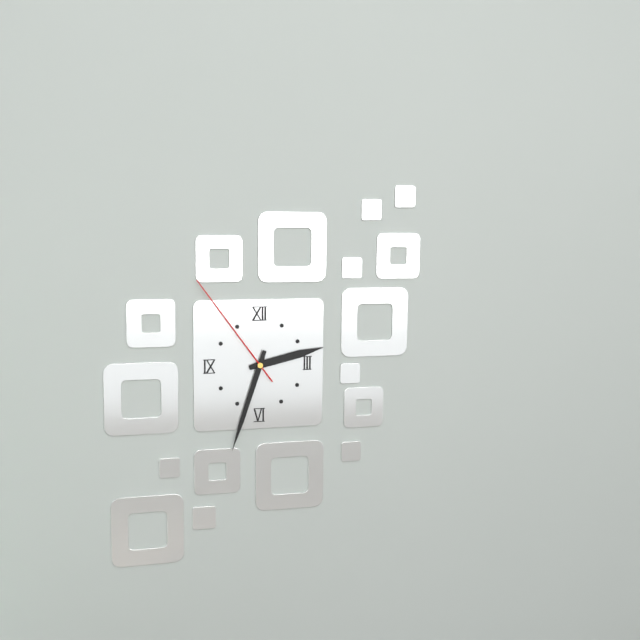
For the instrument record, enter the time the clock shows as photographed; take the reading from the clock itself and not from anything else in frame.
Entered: 2:33:54
